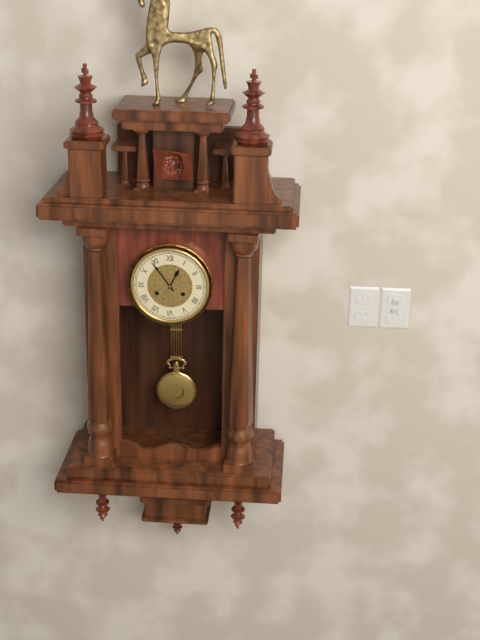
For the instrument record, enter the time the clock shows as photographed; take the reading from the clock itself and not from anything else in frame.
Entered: 12:54
